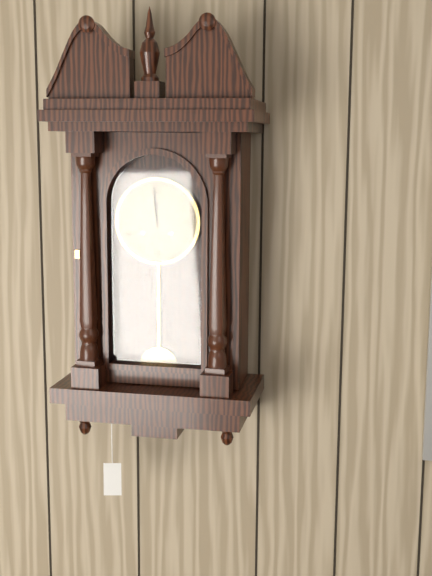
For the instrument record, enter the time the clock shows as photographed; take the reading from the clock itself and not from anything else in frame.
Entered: 11:59
